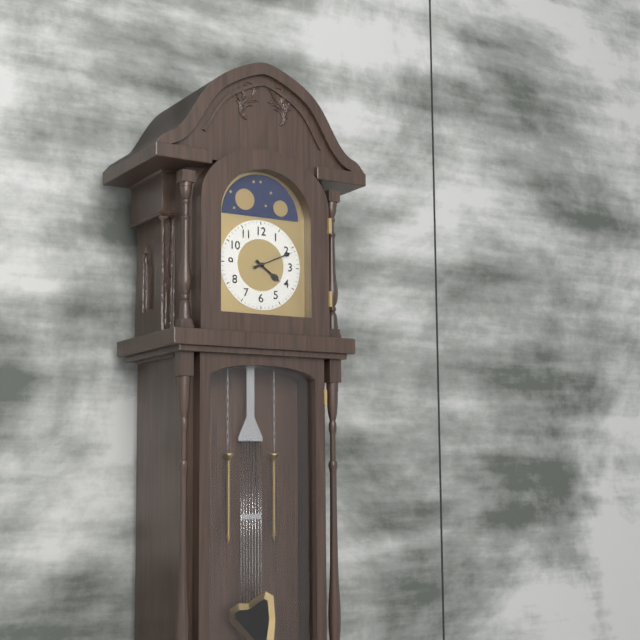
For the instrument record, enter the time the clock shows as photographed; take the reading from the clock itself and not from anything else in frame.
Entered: 4:11
